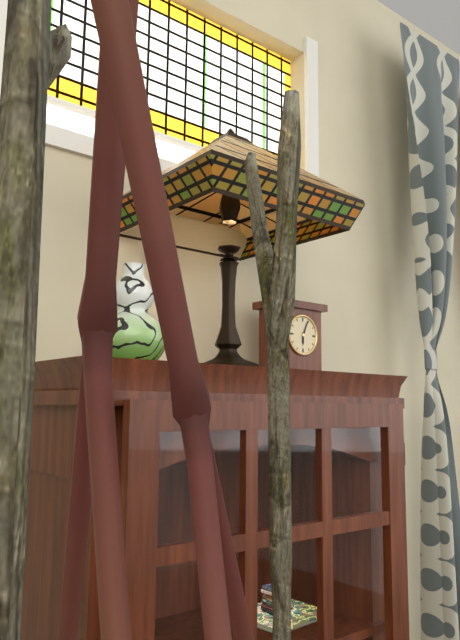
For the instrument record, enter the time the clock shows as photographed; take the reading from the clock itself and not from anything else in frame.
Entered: 6:04
